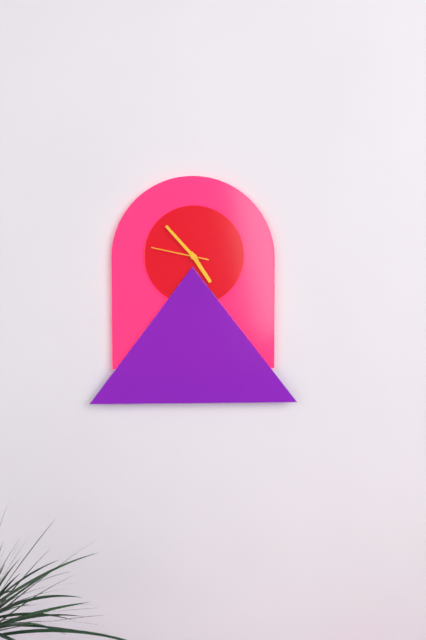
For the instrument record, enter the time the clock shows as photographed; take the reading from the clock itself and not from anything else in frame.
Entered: 4:53:47
